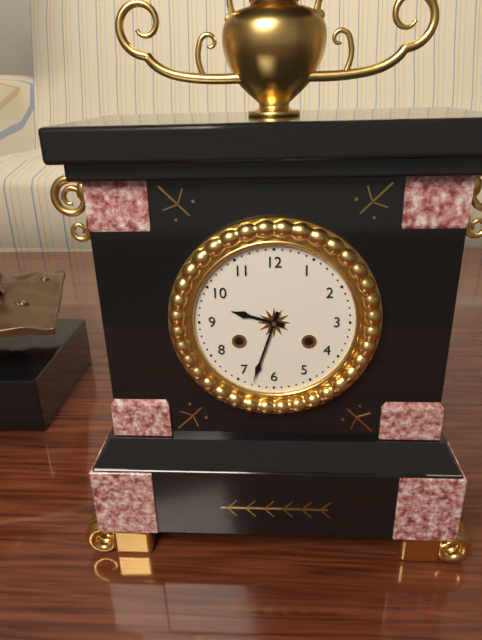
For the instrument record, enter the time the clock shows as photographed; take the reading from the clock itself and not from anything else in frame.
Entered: 9:33
